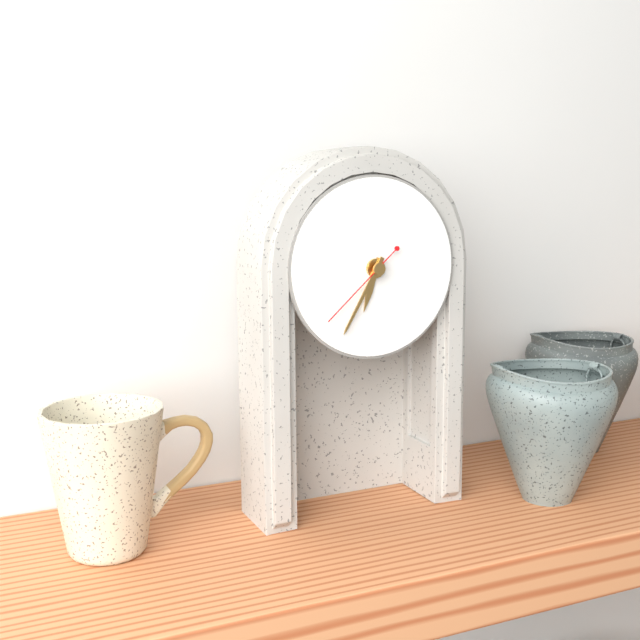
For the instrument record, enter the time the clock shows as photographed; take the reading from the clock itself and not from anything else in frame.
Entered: 6:35:38
